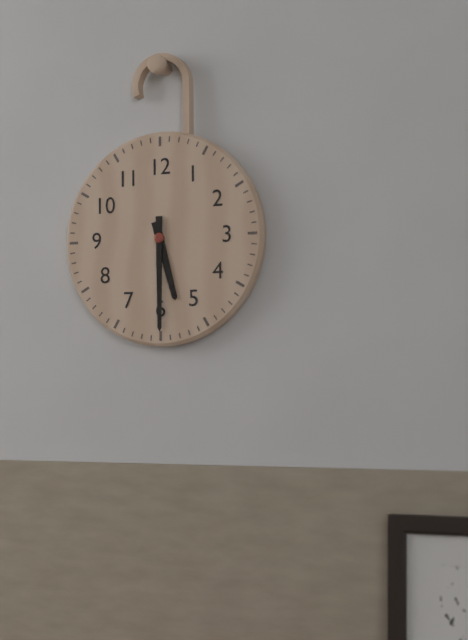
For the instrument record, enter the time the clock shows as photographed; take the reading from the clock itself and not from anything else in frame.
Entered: 5:30
